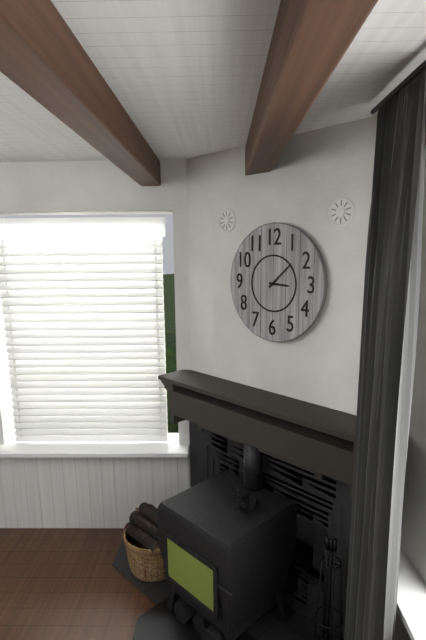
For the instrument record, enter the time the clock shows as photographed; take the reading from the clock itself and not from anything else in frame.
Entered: 3:08
